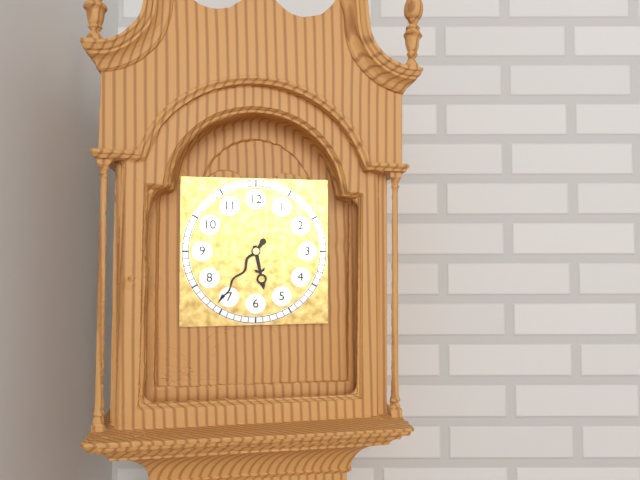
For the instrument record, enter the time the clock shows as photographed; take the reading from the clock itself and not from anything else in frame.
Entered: 5:36
